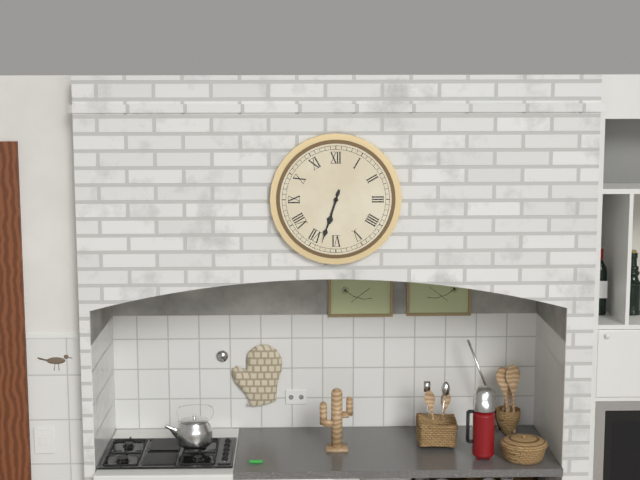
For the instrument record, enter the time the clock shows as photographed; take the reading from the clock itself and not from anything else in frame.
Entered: 6:33
